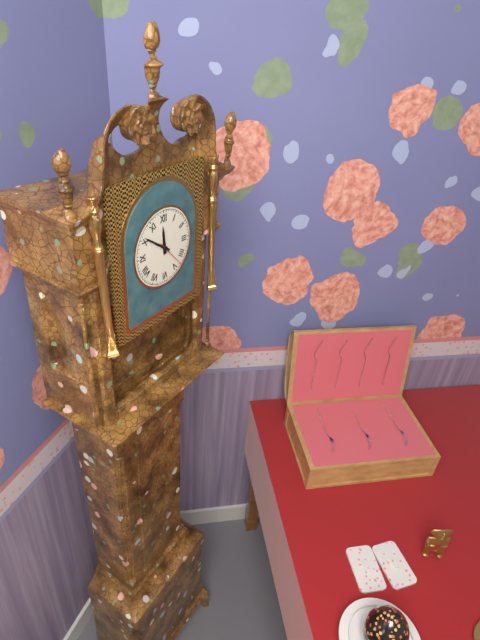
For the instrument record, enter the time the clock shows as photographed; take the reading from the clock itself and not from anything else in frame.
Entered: 11:51
